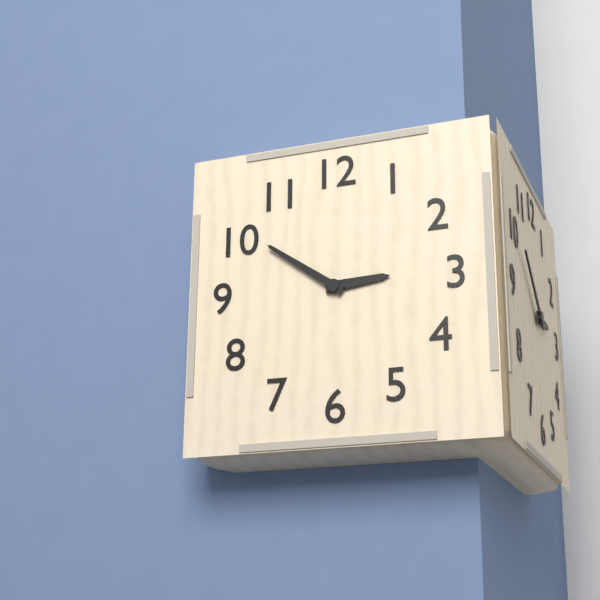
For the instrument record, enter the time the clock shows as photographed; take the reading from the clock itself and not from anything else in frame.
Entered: 2:51
